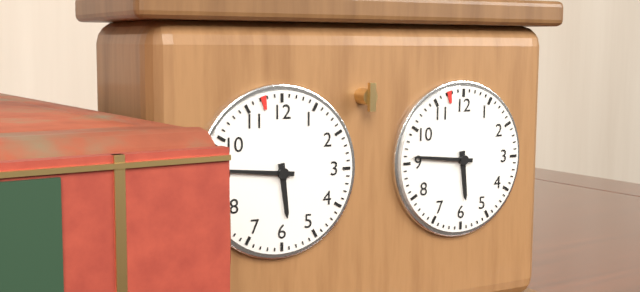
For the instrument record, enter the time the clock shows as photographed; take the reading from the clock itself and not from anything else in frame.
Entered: 5:46
